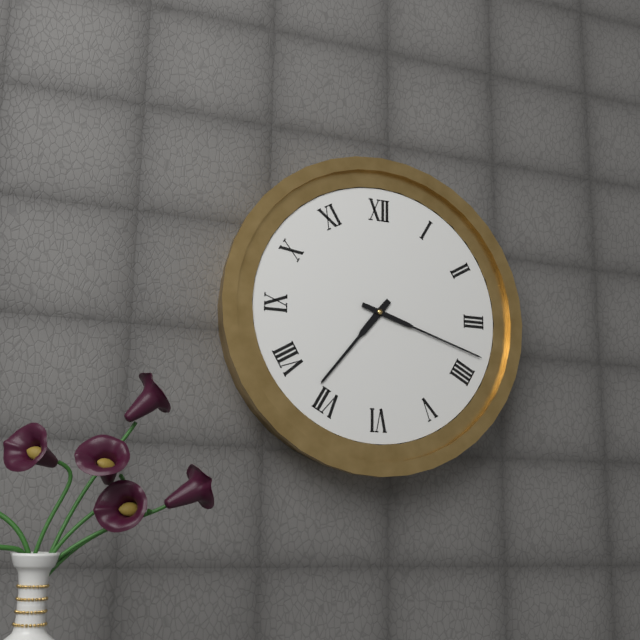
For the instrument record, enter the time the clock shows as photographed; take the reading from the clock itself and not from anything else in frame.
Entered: 7:18
